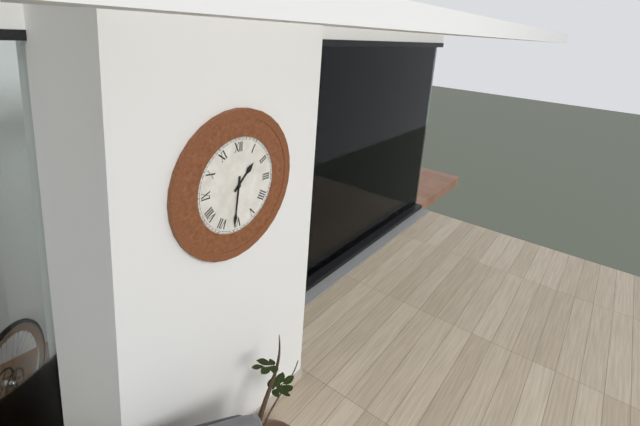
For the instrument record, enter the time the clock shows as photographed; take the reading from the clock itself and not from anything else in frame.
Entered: 1:31
